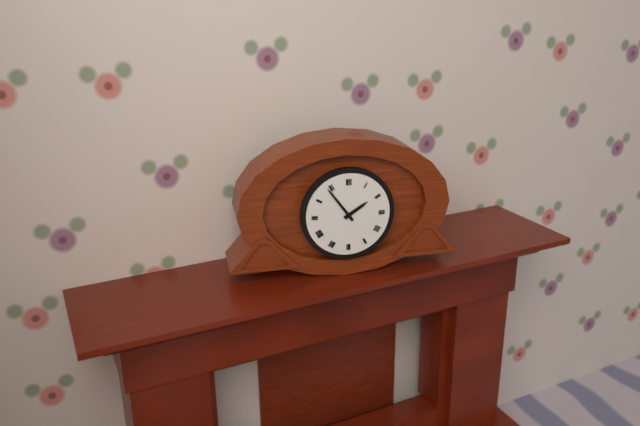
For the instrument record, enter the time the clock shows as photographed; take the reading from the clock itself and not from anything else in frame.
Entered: 1:54
